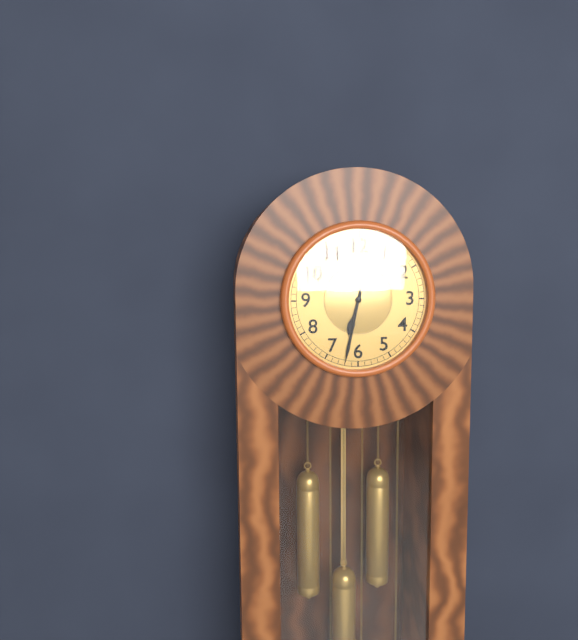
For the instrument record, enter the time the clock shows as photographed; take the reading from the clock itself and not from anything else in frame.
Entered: 6:32
